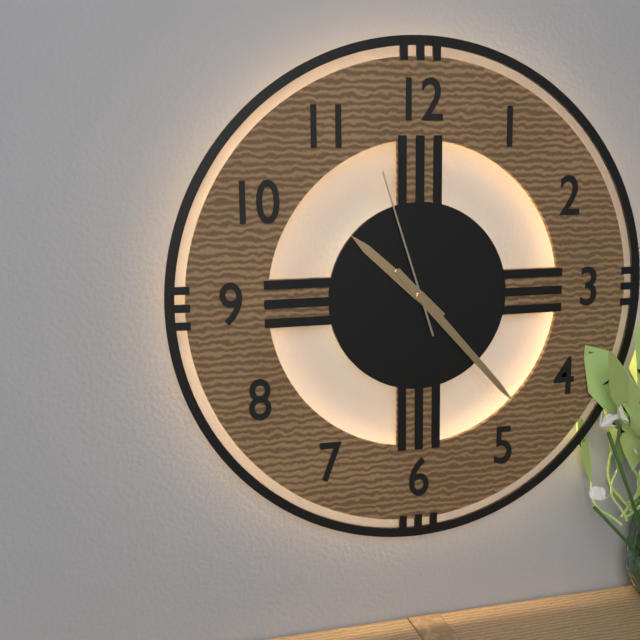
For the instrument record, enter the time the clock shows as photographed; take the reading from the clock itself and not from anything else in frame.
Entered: 10:23:57
